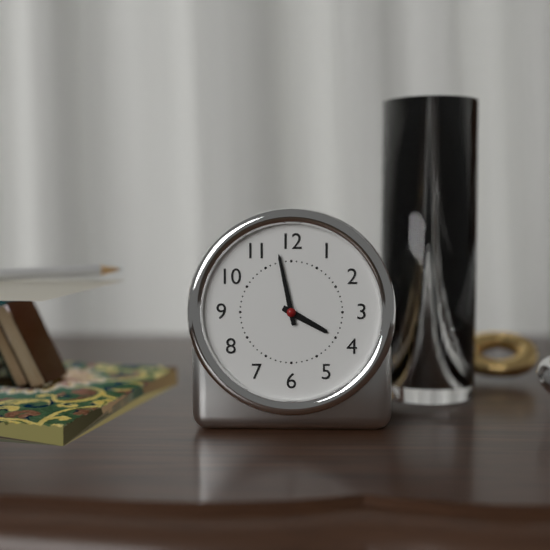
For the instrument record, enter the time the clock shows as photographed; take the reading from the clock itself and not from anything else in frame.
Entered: 3:58
